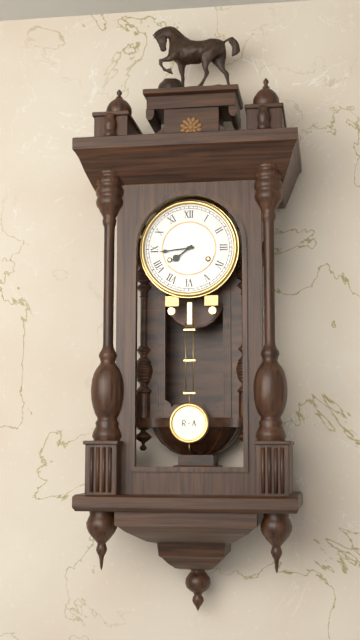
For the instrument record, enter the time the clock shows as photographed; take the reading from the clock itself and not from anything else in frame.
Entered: 7:44
